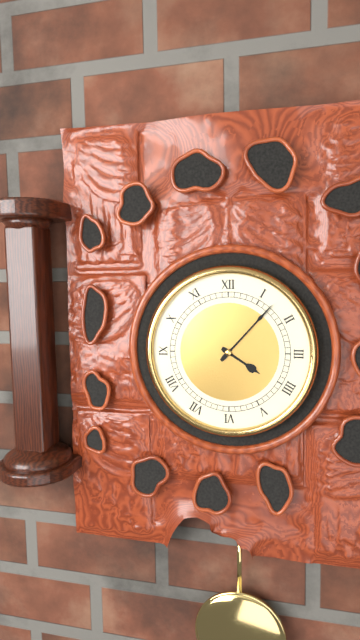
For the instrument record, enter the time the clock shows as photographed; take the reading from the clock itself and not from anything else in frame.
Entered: 4:07
